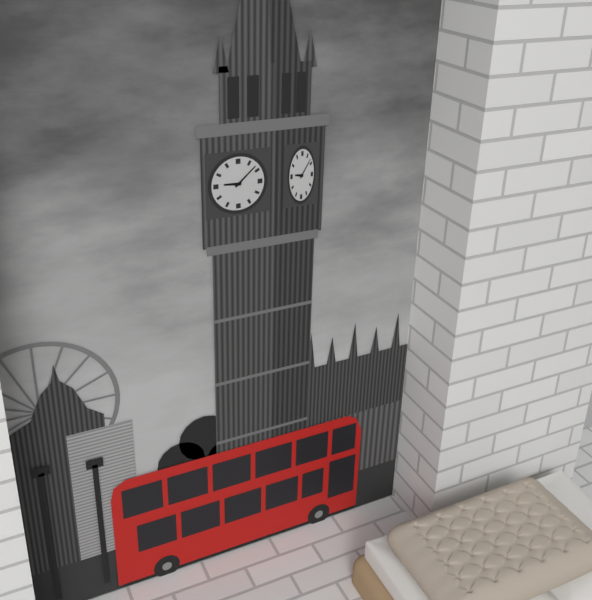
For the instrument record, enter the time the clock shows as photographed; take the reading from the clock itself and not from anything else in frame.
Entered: 9:08
